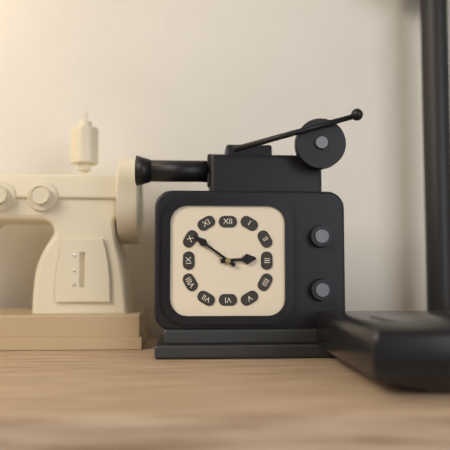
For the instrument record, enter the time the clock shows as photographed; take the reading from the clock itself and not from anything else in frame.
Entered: 2:51
